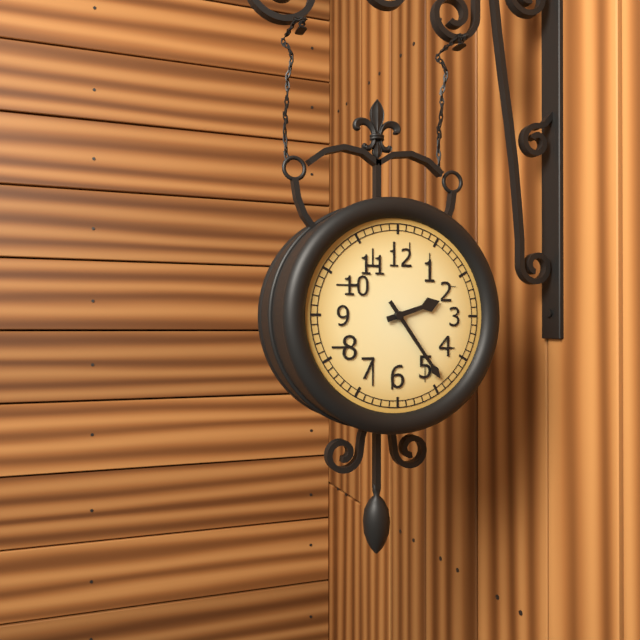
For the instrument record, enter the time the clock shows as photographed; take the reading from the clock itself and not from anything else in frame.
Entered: 2:24
